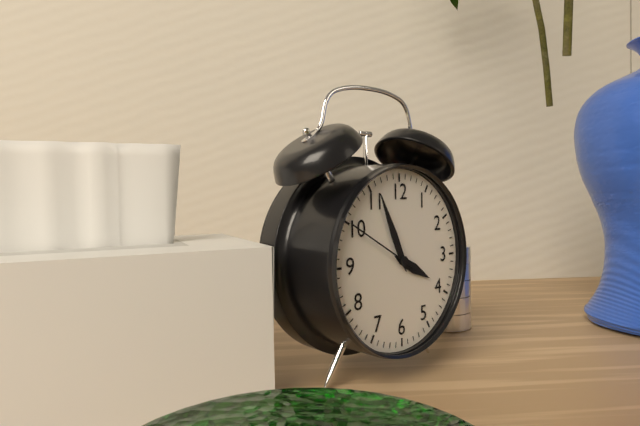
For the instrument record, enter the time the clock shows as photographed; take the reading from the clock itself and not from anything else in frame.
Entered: 3:56:50
